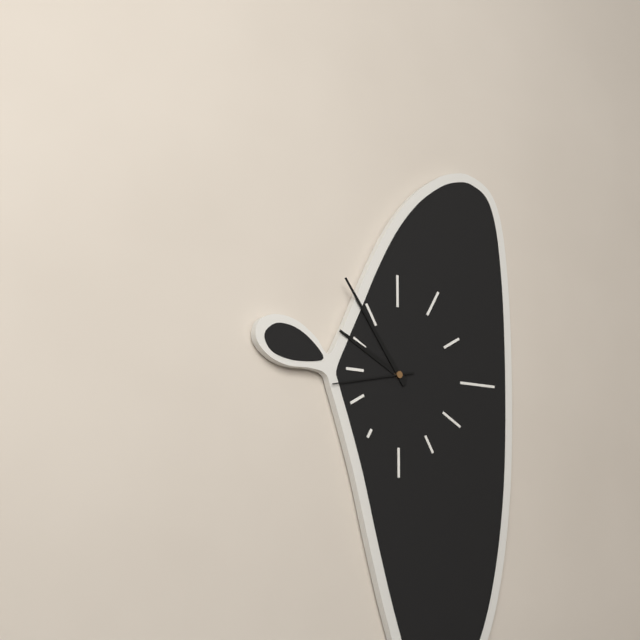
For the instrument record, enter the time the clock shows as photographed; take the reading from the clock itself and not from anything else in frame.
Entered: 9:54:43
